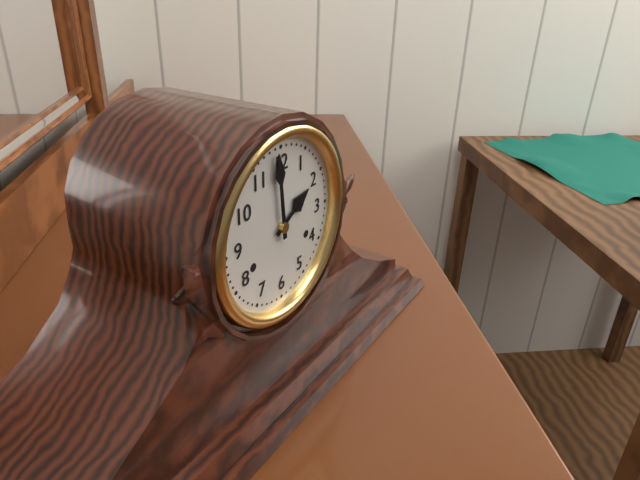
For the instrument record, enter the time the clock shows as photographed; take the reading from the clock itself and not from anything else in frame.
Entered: 1:59
